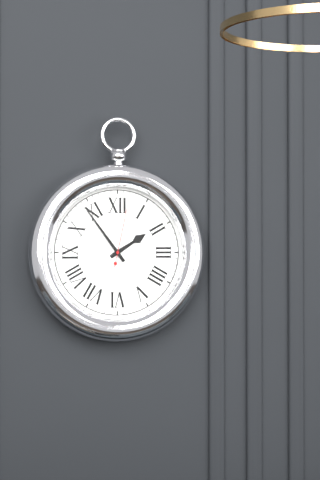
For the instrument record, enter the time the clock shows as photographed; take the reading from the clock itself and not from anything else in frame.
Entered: 1:54:02
